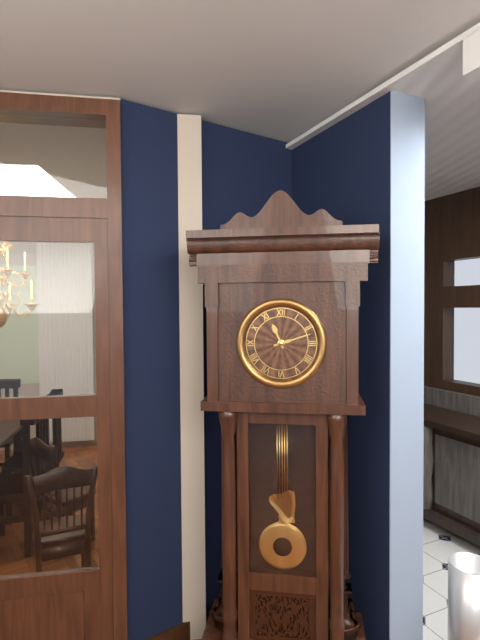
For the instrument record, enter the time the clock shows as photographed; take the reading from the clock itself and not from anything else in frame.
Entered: 11:12
